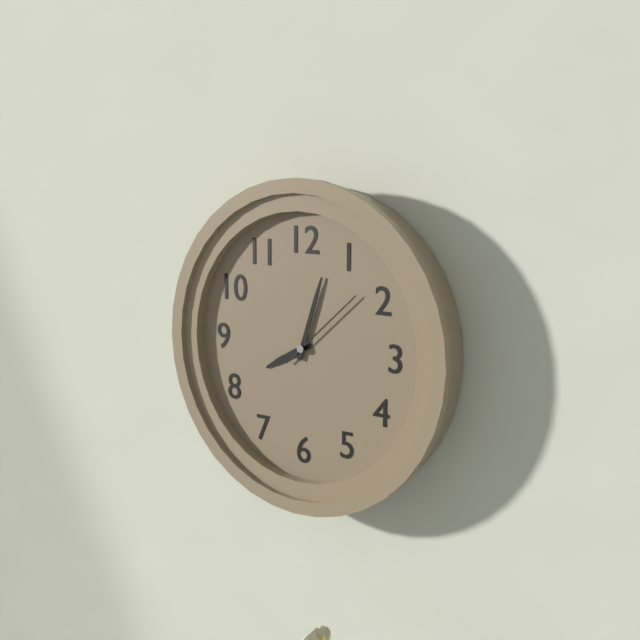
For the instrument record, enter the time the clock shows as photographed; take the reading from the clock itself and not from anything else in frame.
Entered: 8:03:08
